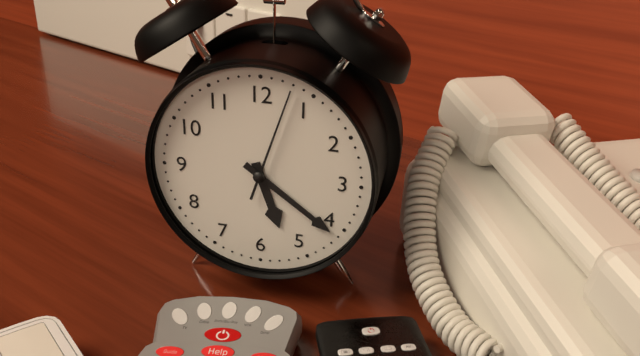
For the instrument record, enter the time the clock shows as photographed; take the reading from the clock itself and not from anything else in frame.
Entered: 5:21:03
